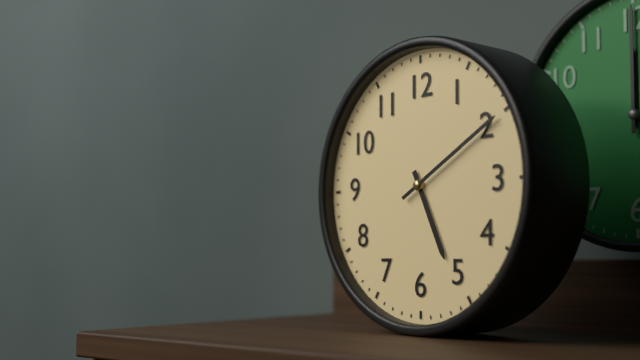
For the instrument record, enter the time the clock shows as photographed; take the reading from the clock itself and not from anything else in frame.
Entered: 5:10
